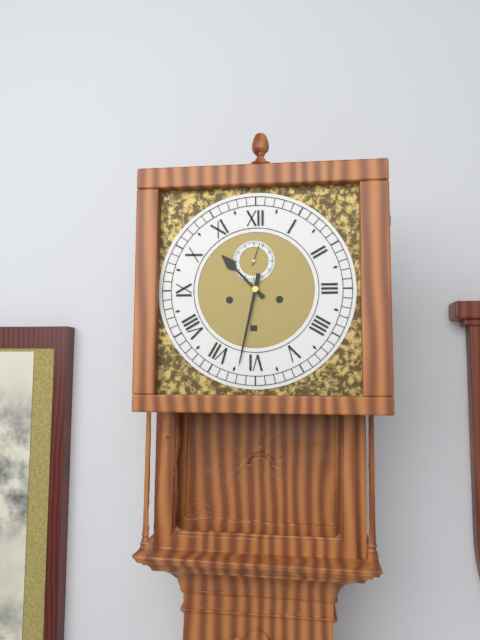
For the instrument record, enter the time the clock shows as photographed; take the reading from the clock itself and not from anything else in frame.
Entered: 10:32
